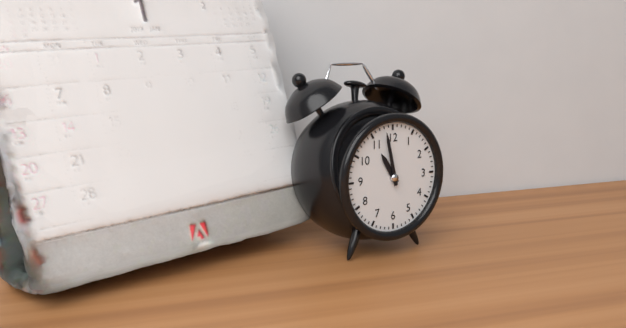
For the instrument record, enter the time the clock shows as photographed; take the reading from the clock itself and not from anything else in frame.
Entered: 10:58
